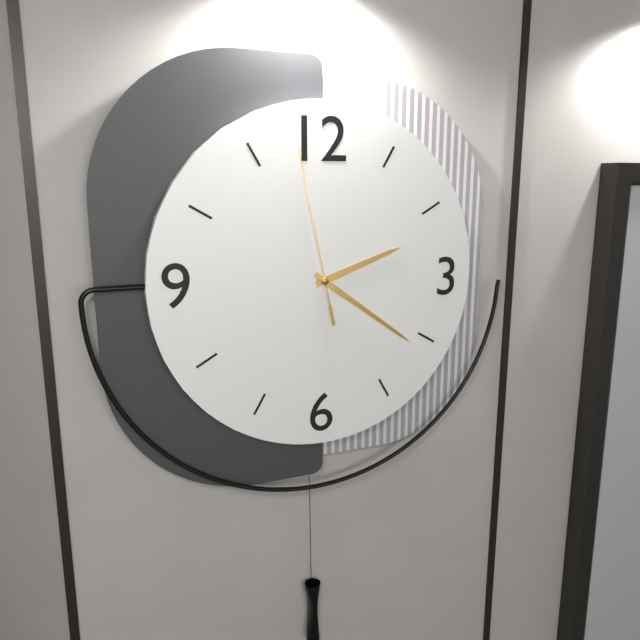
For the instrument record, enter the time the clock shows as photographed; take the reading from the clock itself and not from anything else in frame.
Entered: 2:21:58
